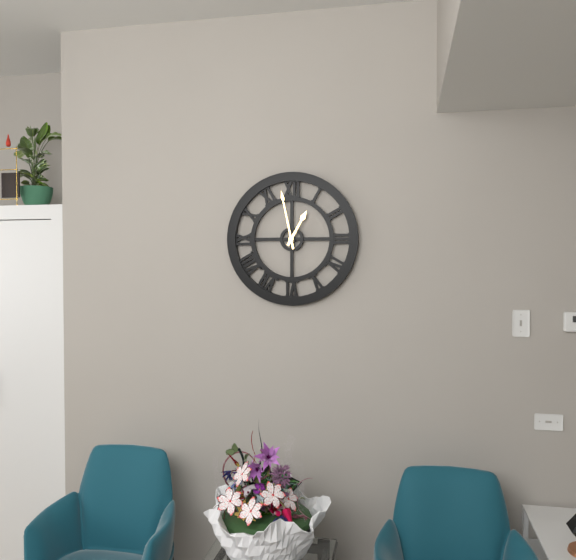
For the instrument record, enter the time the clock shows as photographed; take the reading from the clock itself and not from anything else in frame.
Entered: 12:58
